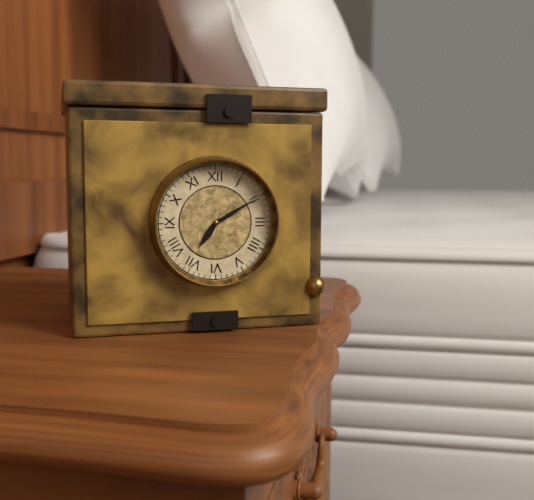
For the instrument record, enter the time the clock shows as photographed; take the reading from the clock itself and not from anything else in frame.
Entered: 7:10
